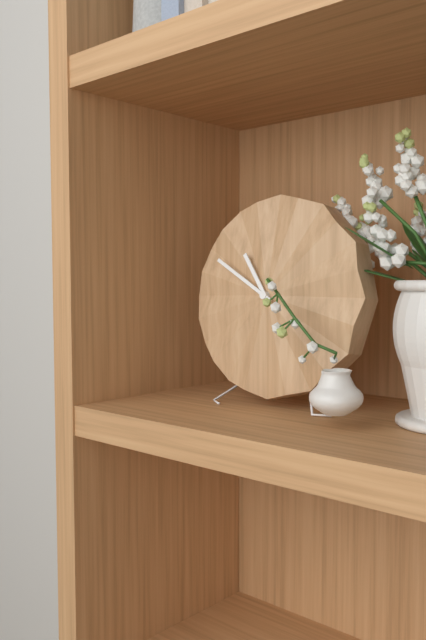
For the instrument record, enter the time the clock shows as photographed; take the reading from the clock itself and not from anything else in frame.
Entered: 10:50
